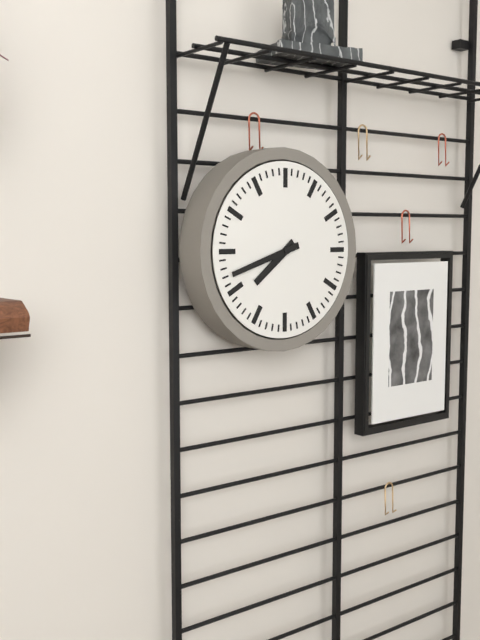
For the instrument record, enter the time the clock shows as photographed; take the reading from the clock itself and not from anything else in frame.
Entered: 7:42
